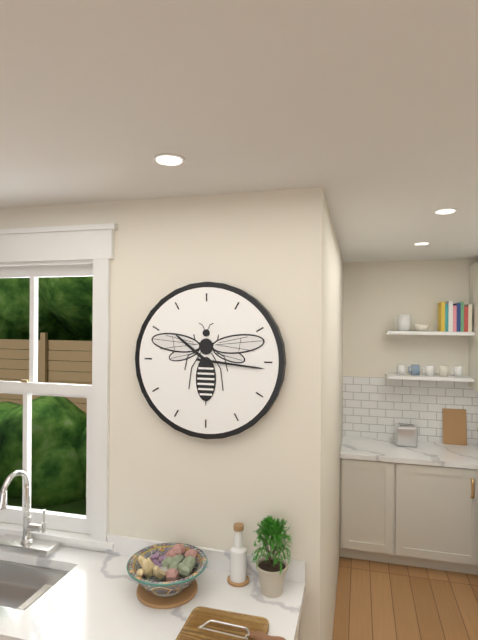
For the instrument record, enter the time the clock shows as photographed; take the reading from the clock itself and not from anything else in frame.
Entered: 10:16
